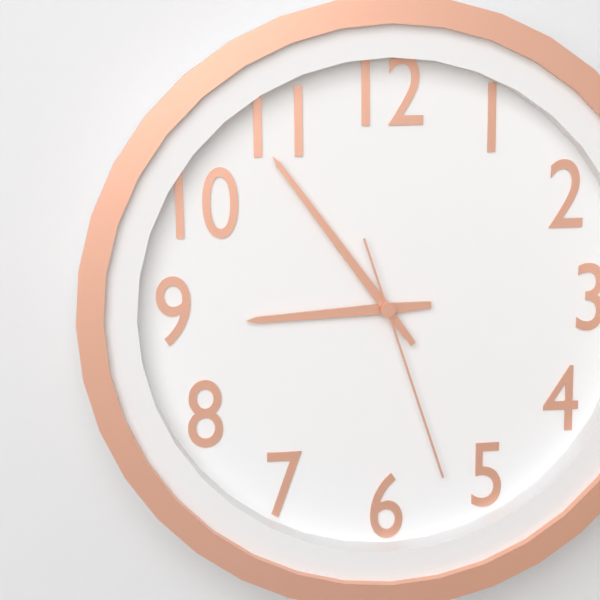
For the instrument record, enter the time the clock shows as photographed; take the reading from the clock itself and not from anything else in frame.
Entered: 8:54:27
